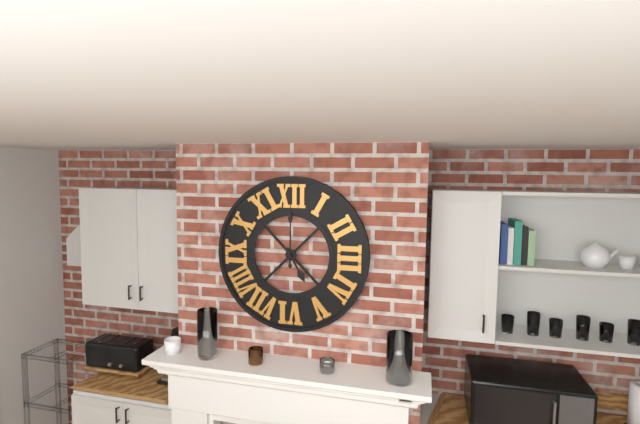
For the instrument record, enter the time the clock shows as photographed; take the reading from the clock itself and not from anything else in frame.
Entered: 5:00
